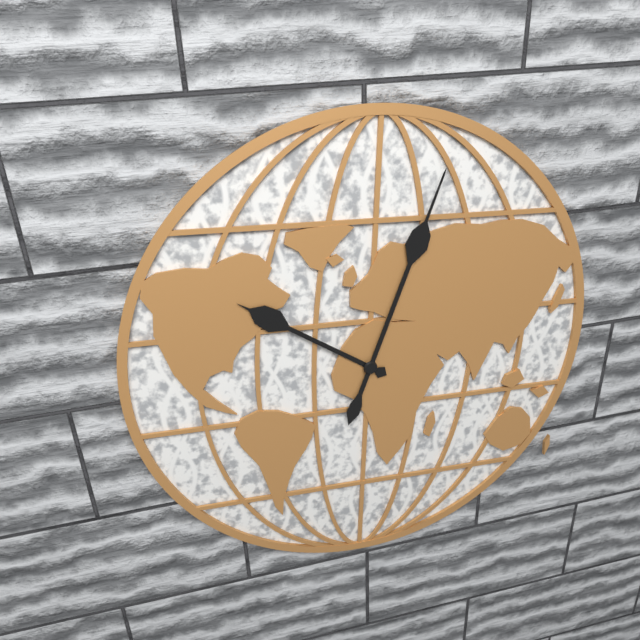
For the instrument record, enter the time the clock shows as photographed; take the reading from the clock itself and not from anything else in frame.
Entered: 10:03
